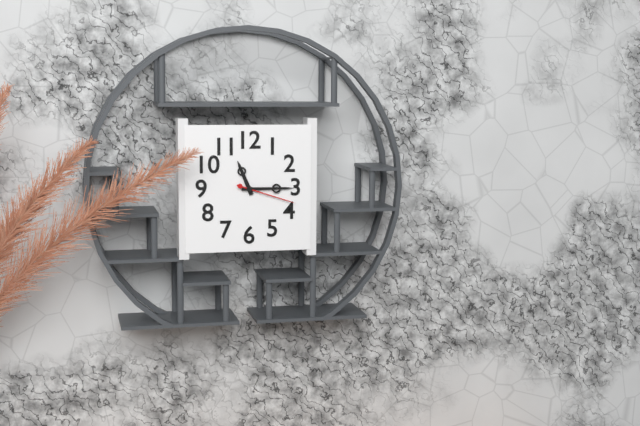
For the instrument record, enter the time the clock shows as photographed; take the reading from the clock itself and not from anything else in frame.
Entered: 11:15:18
